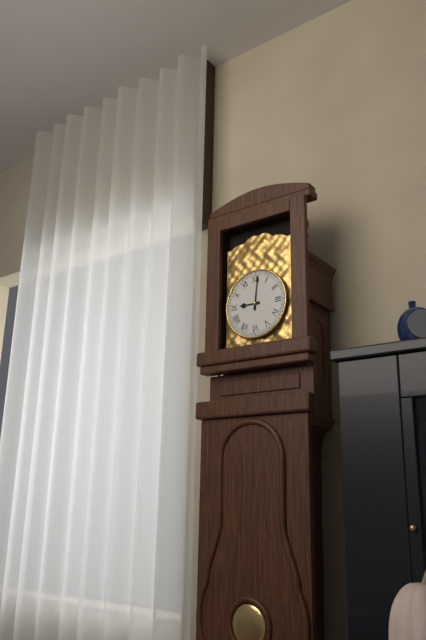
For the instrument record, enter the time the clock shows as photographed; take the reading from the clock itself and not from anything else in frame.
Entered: 9:01
